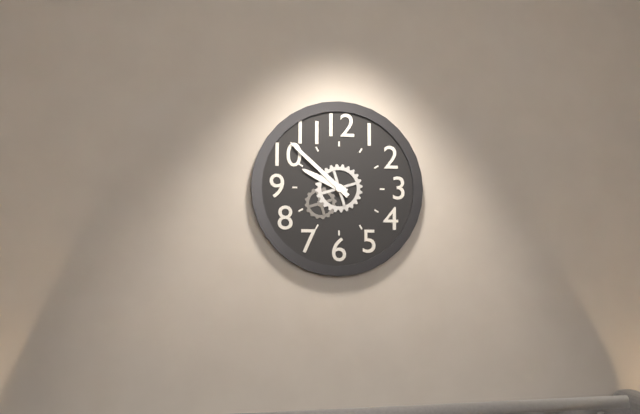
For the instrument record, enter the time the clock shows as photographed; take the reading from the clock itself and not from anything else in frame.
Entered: 9:52
